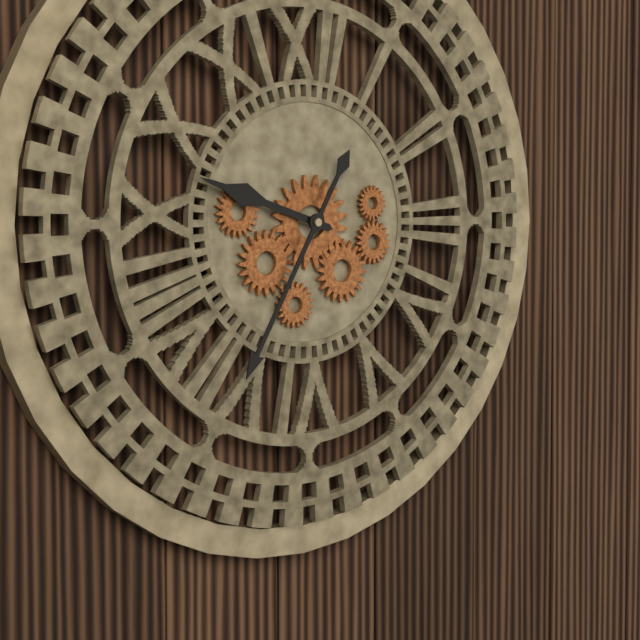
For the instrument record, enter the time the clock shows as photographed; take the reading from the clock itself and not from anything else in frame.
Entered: 9:35
